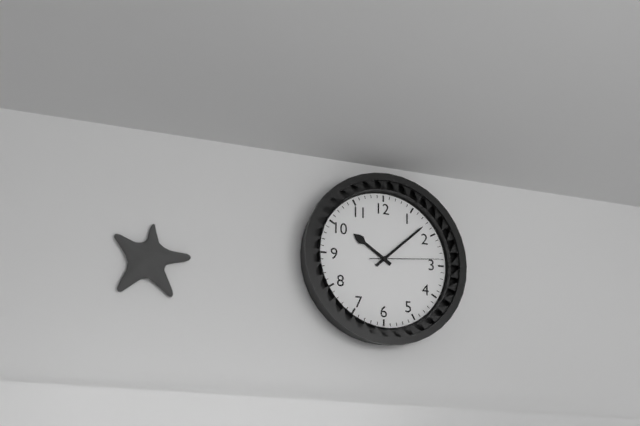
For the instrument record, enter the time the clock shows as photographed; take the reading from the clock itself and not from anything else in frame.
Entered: 10:08:14
